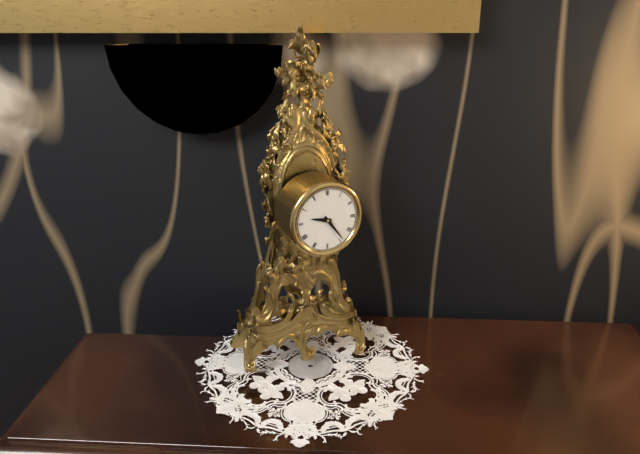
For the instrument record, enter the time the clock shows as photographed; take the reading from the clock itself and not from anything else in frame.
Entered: 9:24
